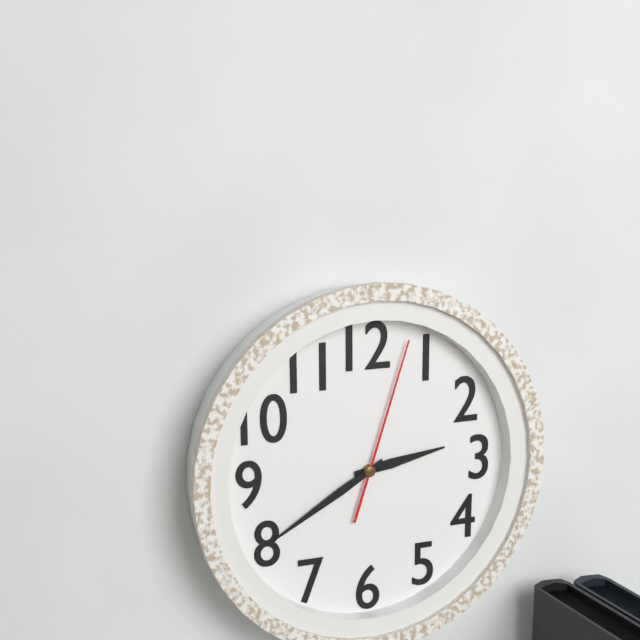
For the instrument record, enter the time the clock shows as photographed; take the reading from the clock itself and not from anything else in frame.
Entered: 2:40:03
